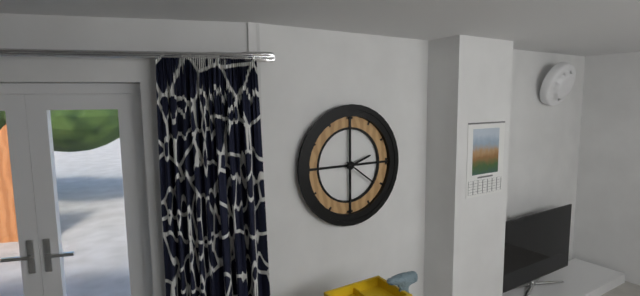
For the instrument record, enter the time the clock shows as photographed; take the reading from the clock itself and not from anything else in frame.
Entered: 2:21
